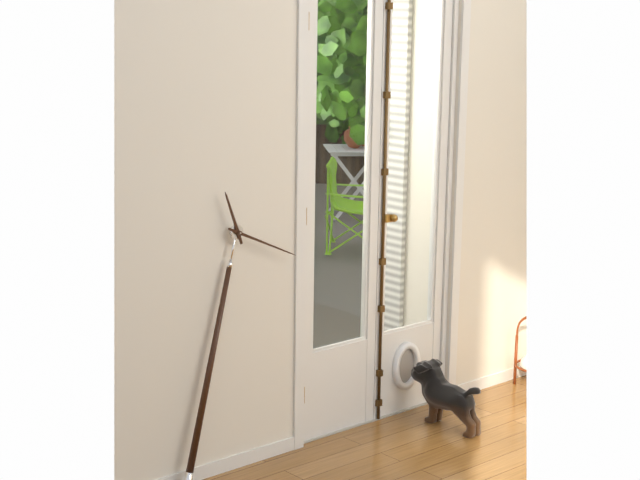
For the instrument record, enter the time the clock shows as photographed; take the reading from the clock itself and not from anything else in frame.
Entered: 11:19
